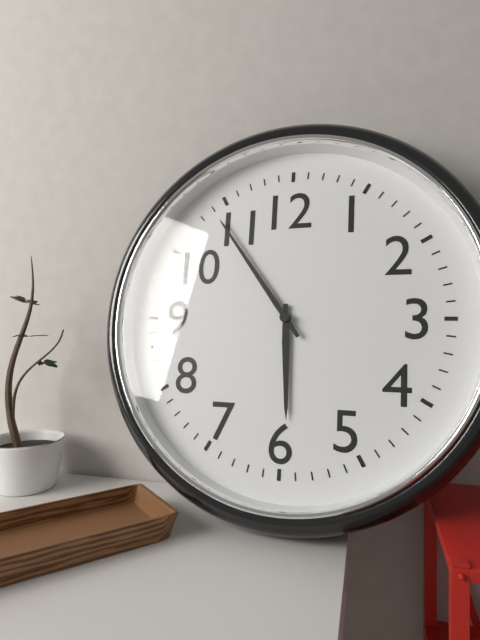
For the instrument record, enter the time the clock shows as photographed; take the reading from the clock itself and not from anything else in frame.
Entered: 5:54
